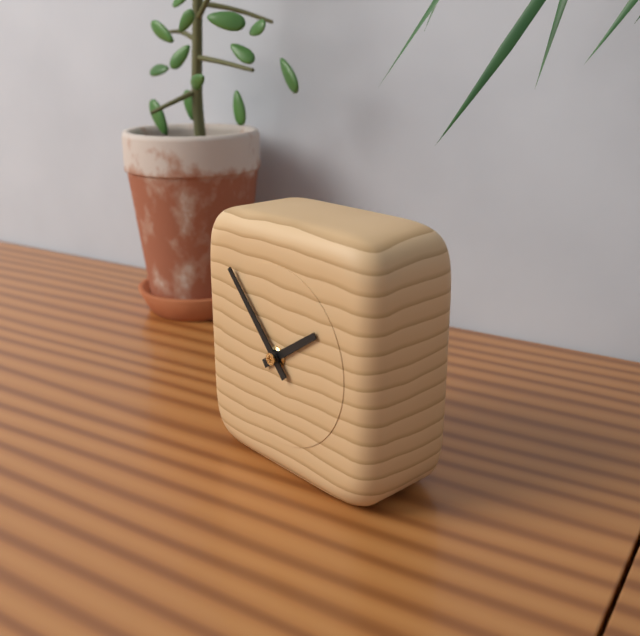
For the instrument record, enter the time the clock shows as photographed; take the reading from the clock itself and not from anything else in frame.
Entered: 1:53
